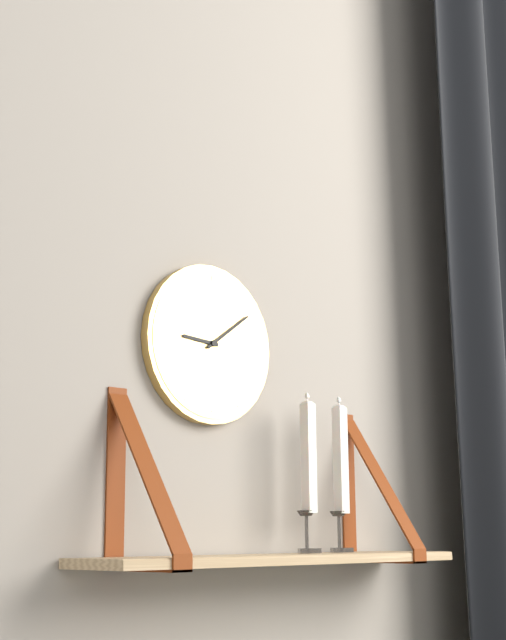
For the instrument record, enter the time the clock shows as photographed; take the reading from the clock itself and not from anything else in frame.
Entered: 9:09
